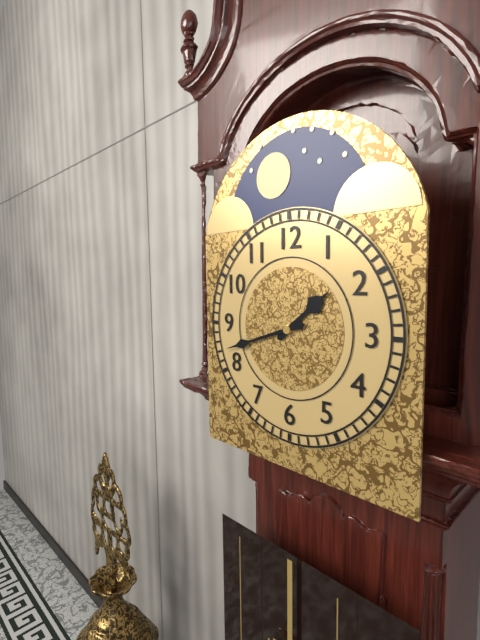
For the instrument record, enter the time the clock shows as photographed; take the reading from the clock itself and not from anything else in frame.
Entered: 1:42
